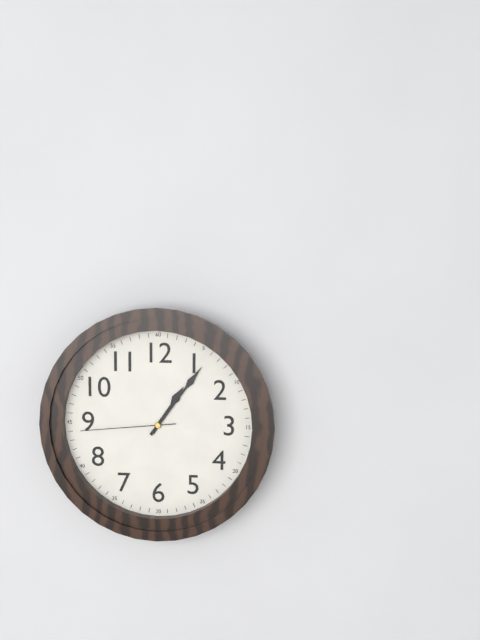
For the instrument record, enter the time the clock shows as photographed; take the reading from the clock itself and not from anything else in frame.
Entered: 1:06:44
